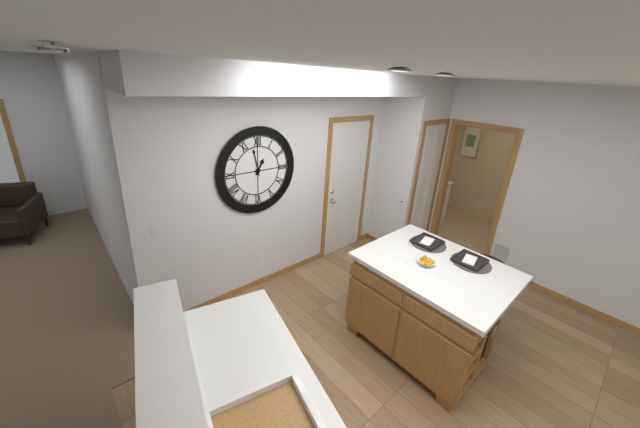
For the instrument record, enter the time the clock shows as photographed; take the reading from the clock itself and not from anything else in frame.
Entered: 12:58
